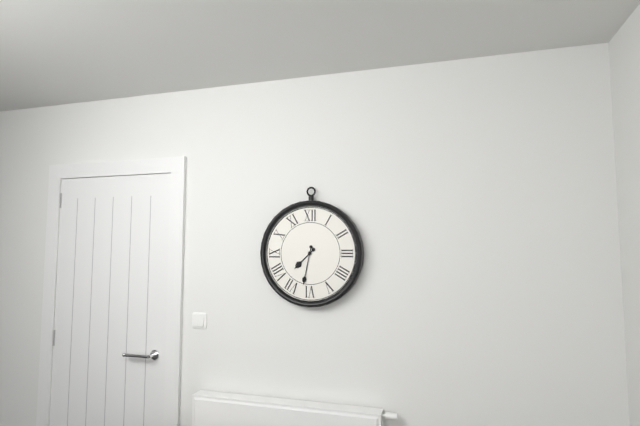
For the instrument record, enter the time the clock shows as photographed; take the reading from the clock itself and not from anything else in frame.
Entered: 7:32
